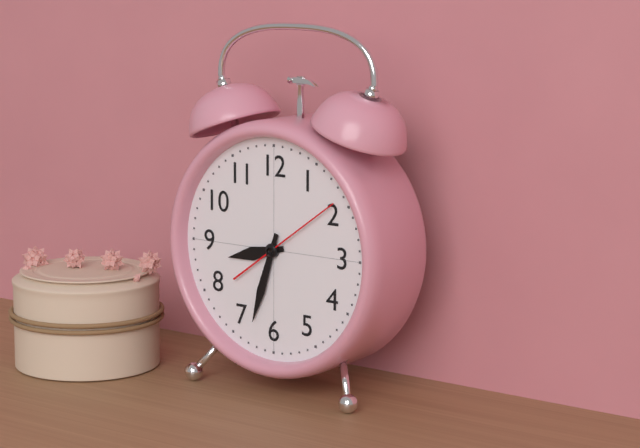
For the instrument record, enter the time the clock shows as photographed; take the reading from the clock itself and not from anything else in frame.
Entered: 8:33:09
